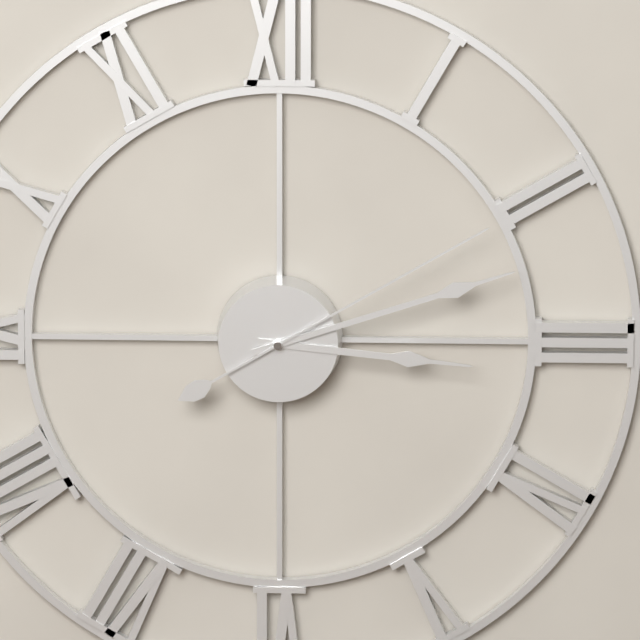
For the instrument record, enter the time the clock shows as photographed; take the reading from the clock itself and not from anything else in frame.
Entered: 3:12:10
